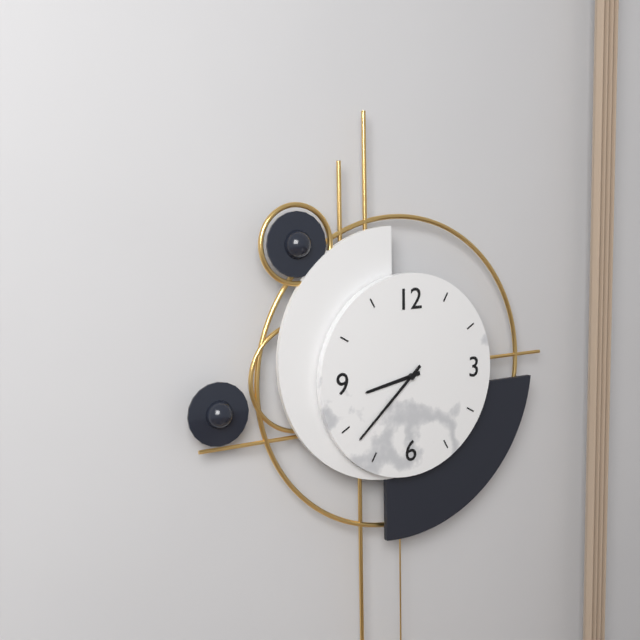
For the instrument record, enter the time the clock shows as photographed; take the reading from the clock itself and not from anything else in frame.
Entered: 8:38
